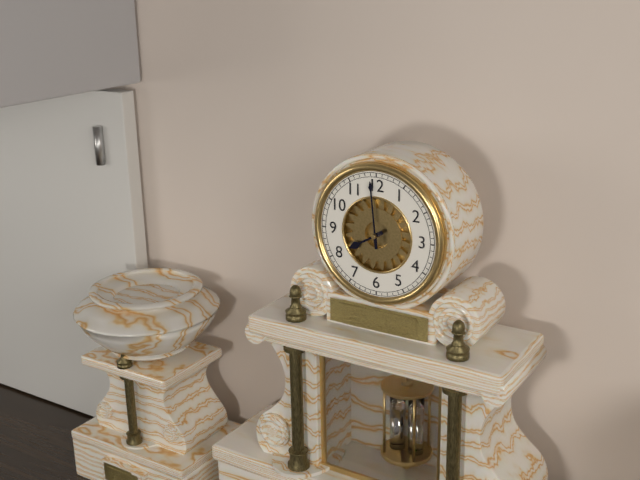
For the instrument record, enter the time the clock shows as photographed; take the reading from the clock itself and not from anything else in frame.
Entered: 7:59
